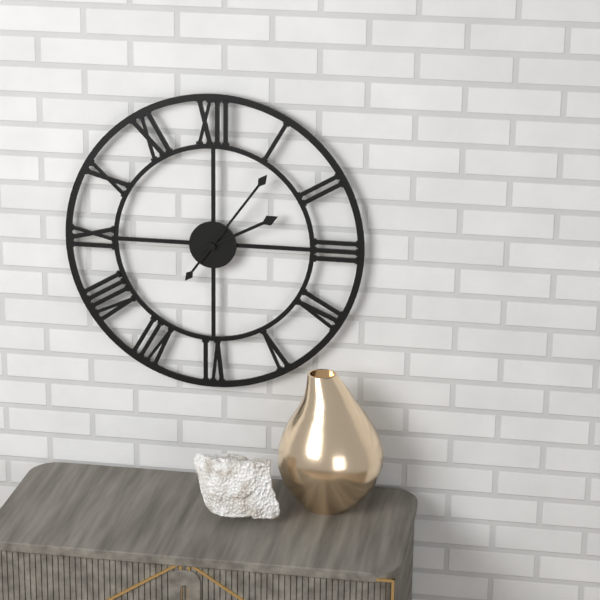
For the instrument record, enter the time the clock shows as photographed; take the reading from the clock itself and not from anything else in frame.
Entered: 2:06
